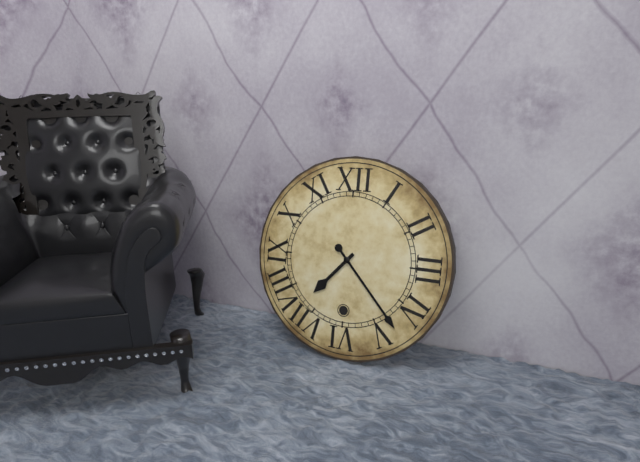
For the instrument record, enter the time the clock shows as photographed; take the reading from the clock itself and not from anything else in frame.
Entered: 7:23
